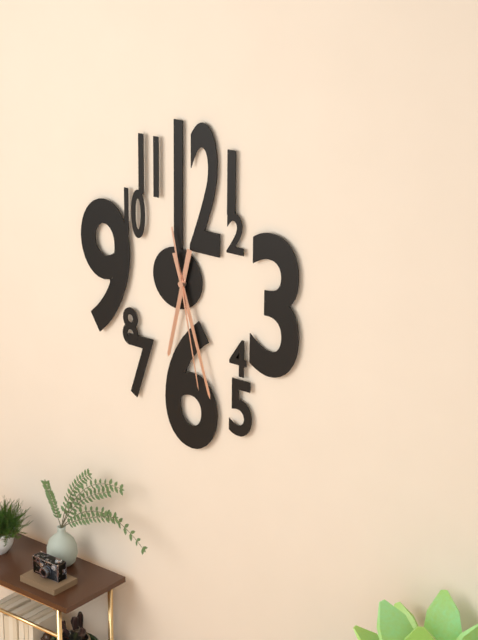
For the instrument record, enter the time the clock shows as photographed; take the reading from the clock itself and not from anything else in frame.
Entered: 6:27:28
